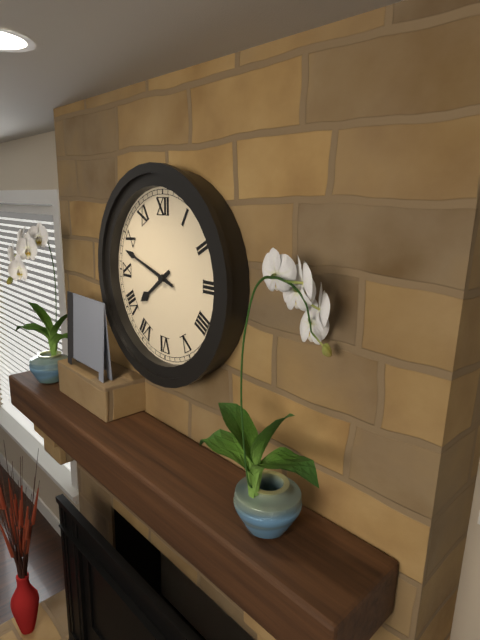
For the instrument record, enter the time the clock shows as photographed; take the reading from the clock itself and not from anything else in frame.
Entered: 7:48
